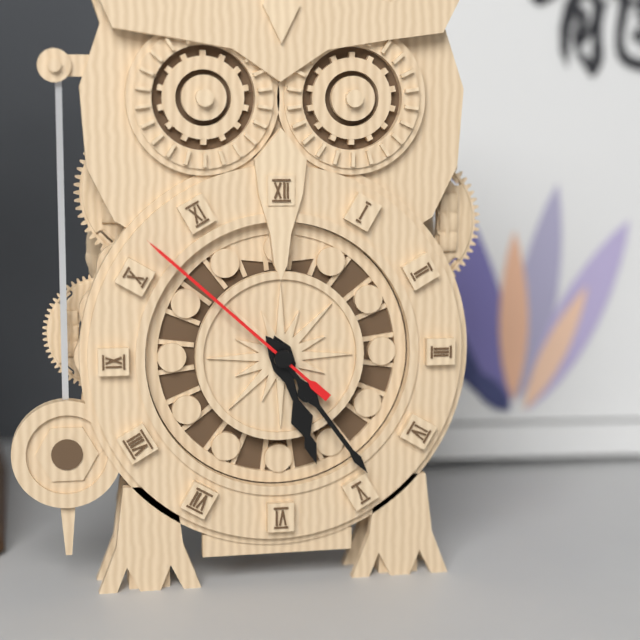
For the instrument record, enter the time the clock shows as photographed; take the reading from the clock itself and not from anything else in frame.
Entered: 5:24:52
